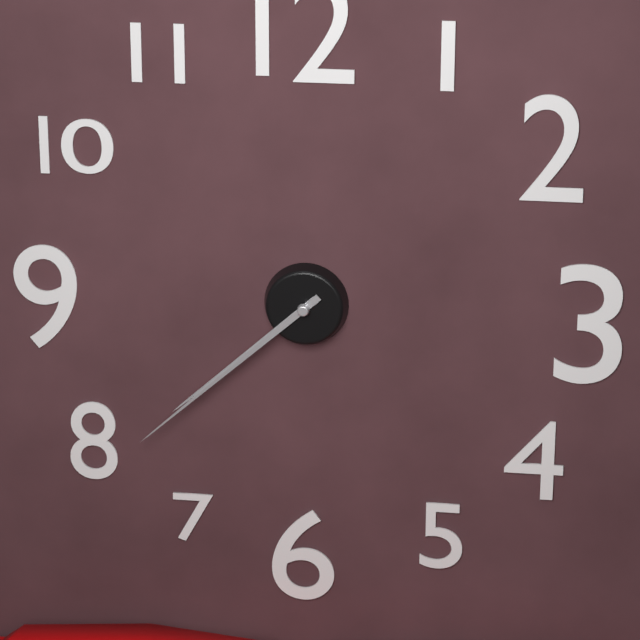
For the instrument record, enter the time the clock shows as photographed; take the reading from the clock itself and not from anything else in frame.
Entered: 7:38
